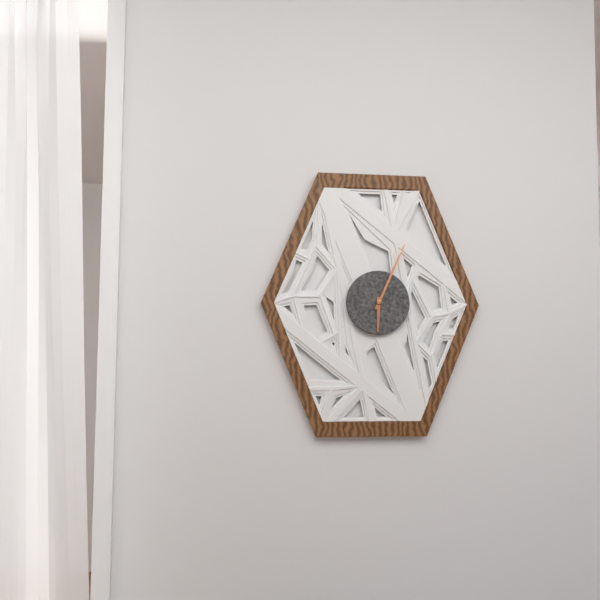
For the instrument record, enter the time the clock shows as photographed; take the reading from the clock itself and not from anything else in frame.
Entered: 6:04
